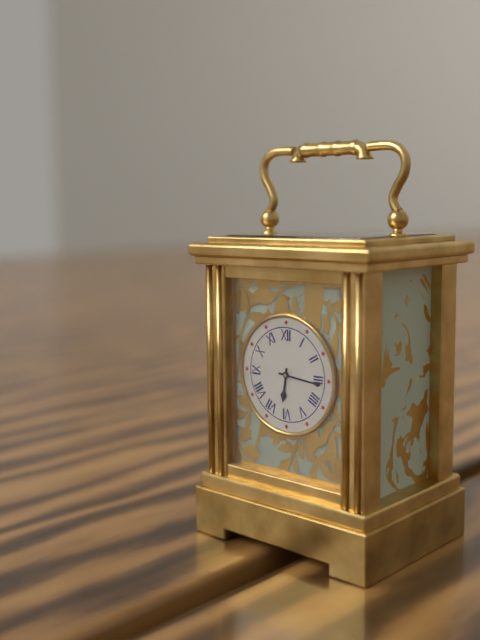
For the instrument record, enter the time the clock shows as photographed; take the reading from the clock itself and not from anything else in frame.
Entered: 6:16
